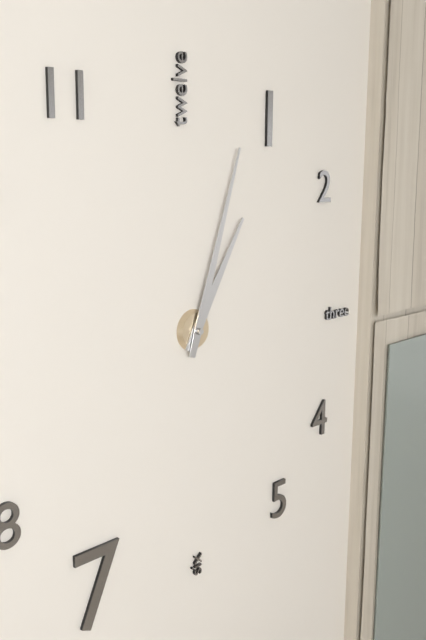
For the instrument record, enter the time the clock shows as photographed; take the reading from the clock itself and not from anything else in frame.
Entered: 1:03
